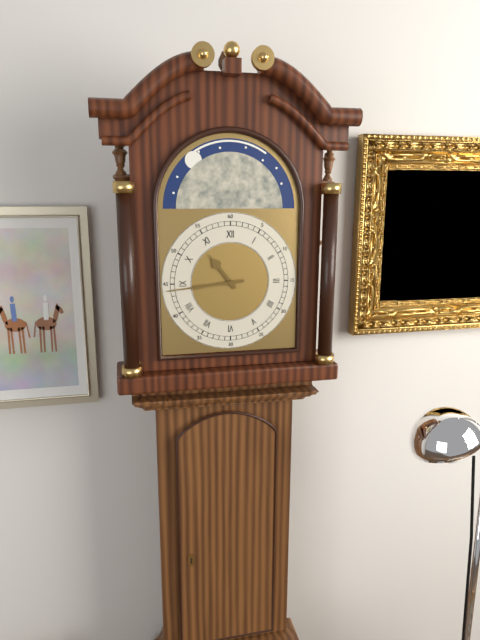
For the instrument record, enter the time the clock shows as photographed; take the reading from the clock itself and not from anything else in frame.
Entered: 10:44
